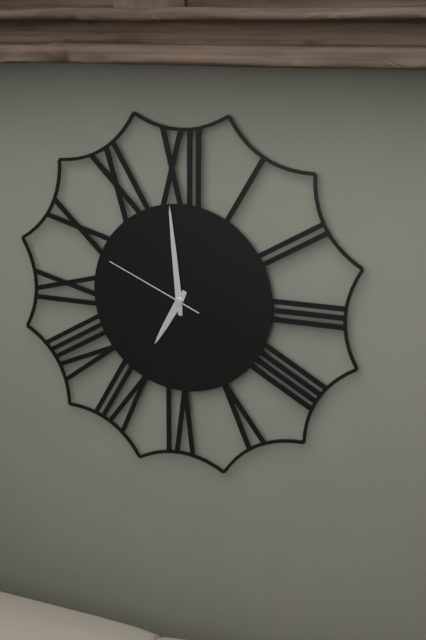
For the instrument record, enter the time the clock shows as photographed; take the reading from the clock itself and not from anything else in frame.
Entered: 6:59:49
